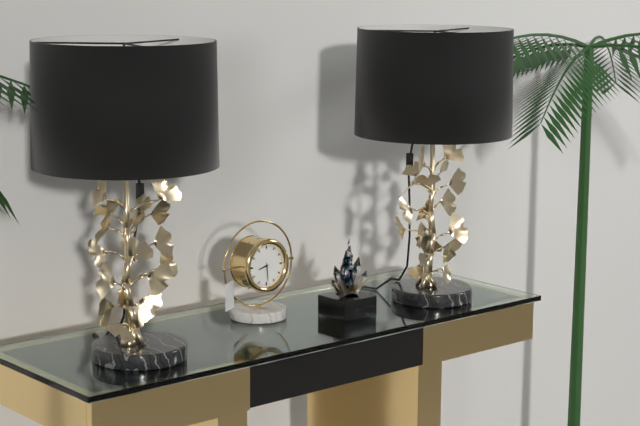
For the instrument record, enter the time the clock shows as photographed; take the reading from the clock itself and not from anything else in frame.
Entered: 8:29
